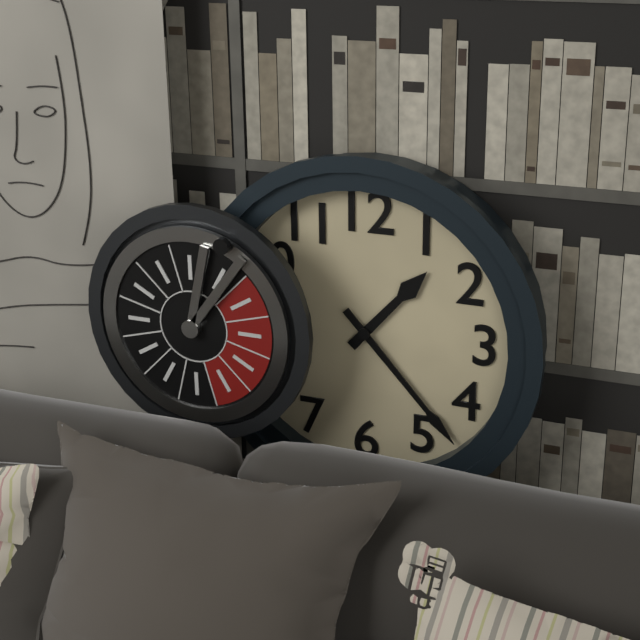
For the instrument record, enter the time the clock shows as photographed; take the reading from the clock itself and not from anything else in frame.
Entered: 1:23
